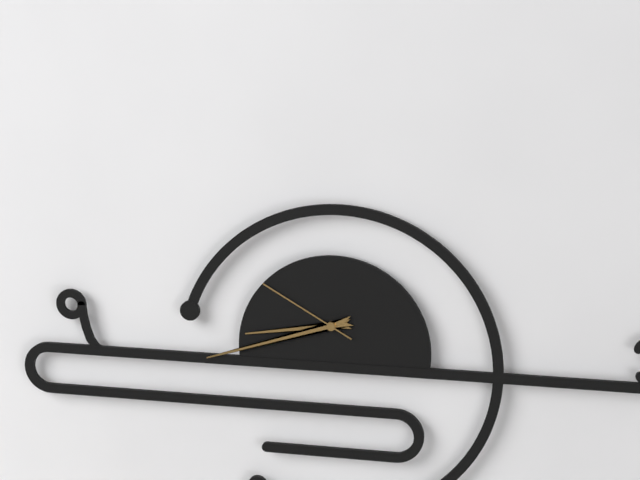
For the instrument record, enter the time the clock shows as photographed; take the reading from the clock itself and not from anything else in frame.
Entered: 8:42:50
